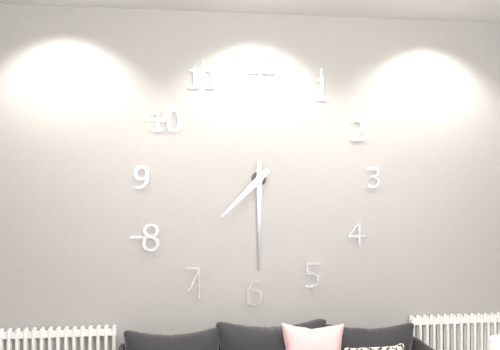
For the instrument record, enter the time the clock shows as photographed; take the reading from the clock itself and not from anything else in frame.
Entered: 7:30
